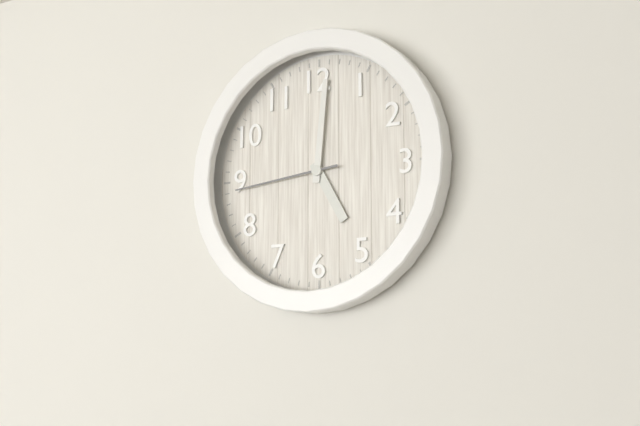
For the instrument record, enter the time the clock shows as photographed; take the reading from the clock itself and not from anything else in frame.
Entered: 5:01:44
